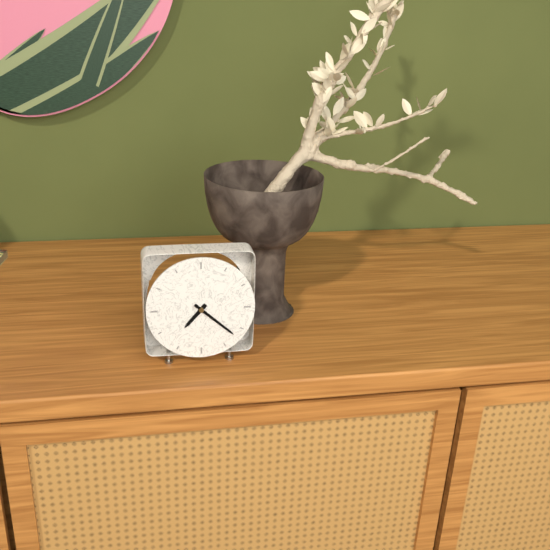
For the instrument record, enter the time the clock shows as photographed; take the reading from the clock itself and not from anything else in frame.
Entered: 7:22
